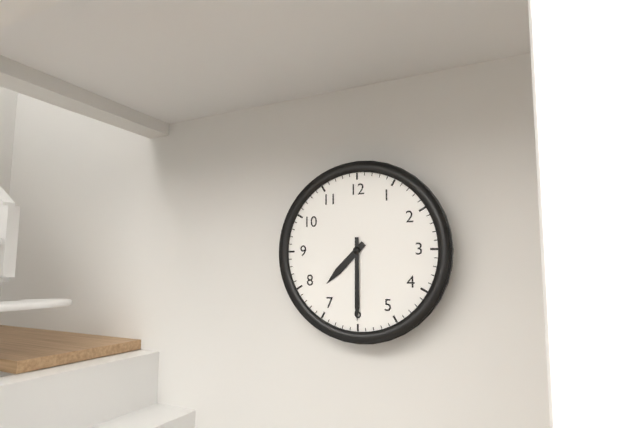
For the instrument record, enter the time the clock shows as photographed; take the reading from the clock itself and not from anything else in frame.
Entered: 7:30
